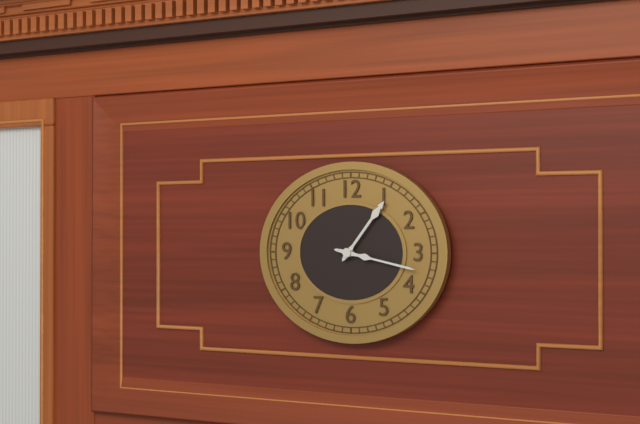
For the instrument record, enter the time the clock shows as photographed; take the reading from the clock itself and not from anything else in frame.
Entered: 1:17
